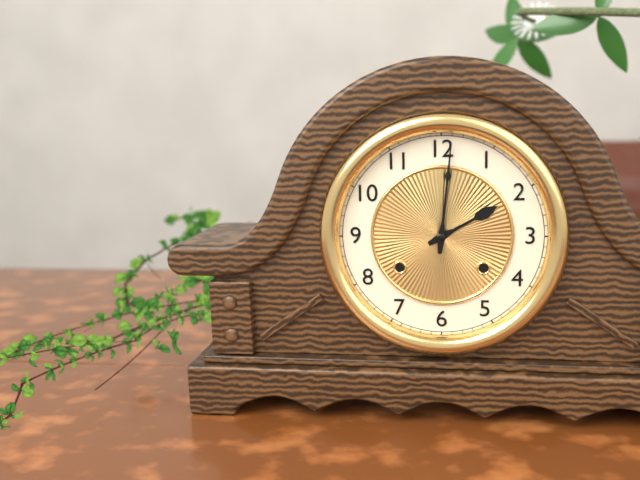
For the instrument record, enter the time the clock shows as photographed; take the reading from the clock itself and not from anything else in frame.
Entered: 2:01
